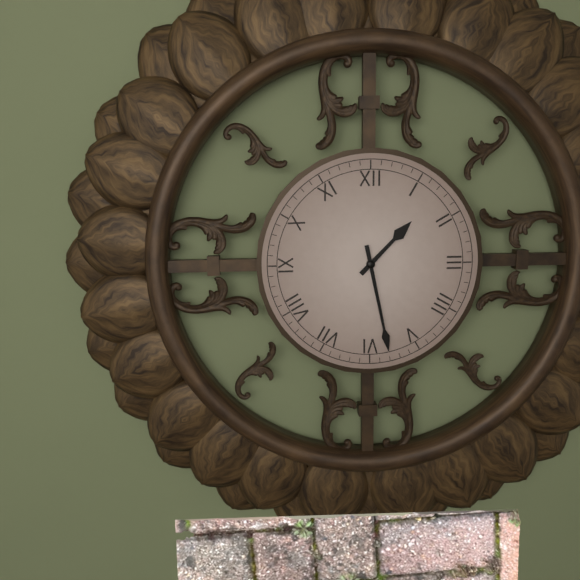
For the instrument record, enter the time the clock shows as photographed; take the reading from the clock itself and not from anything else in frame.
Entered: 1:28
